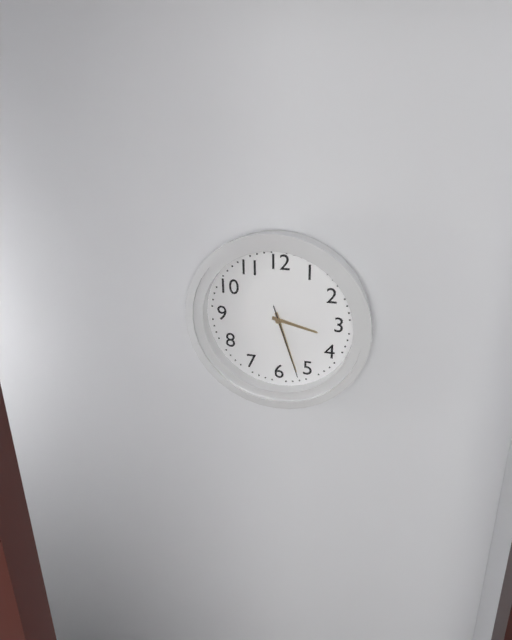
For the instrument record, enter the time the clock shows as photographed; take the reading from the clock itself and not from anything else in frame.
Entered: 3:27:27
